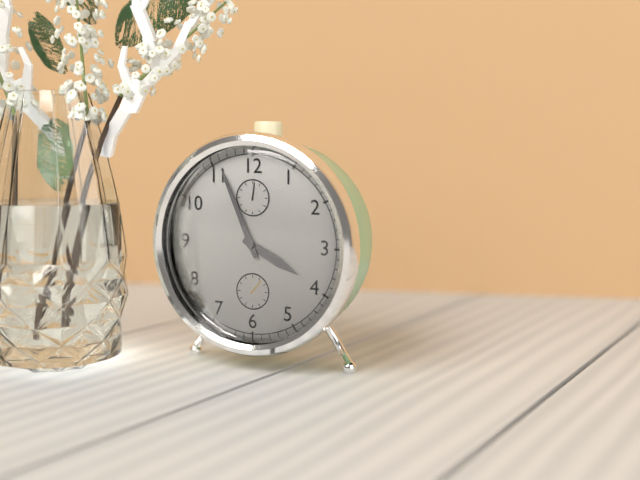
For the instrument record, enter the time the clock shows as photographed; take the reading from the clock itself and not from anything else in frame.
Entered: 3:56
